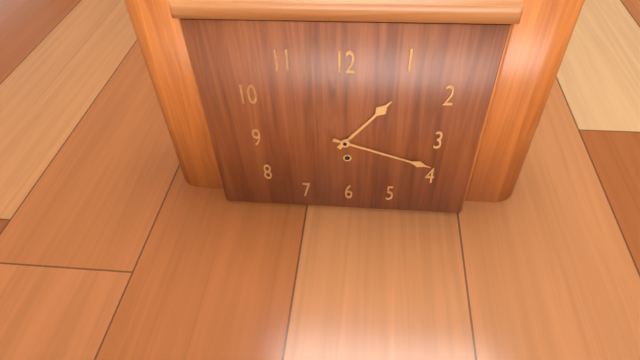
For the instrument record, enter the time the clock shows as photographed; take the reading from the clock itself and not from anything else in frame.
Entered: 1:18
